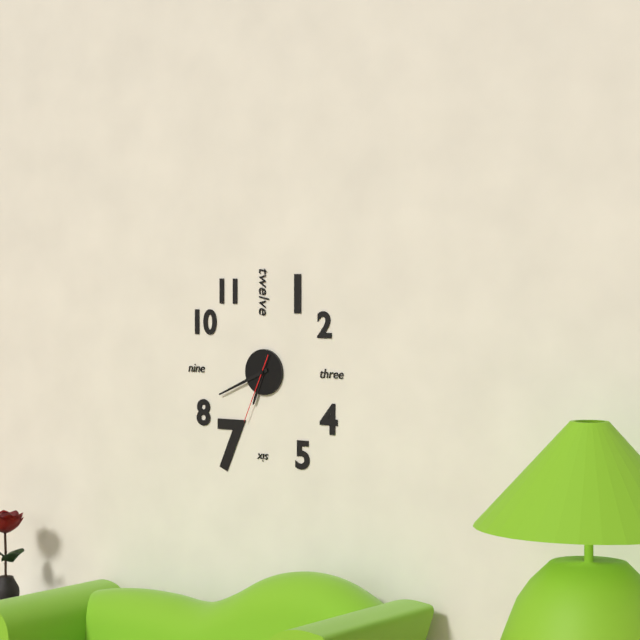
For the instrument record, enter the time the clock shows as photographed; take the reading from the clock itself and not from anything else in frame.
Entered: 6:41:34
